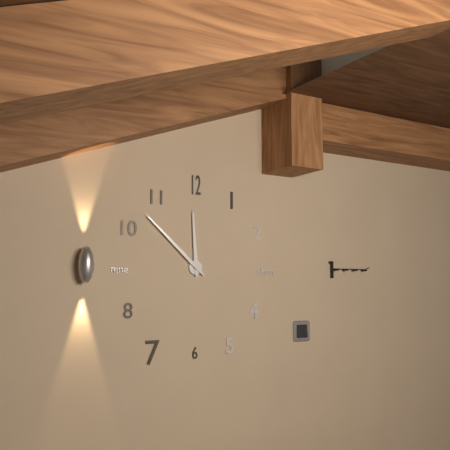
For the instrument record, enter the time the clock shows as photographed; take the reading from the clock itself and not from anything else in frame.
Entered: 11:52
